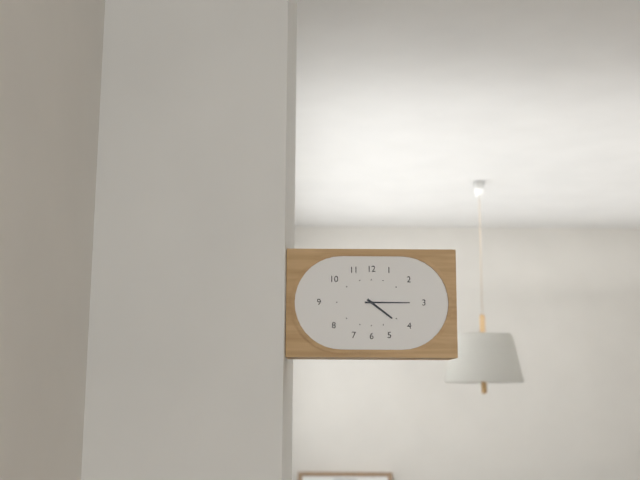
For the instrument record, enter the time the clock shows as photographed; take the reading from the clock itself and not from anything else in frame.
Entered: 4:15
